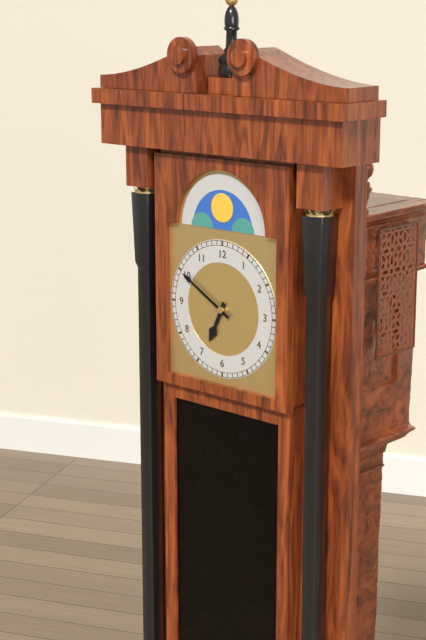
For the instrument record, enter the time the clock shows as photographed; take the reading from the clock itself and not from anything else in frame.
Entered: 6:50
